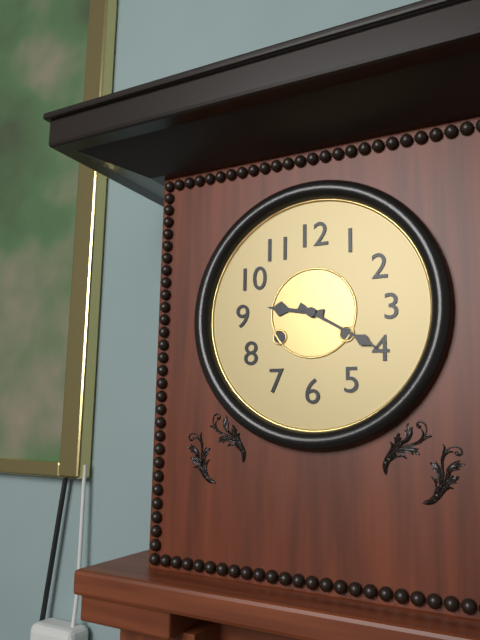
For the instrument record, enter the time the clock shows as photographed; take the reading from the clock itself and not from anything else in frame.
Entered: 9:20
